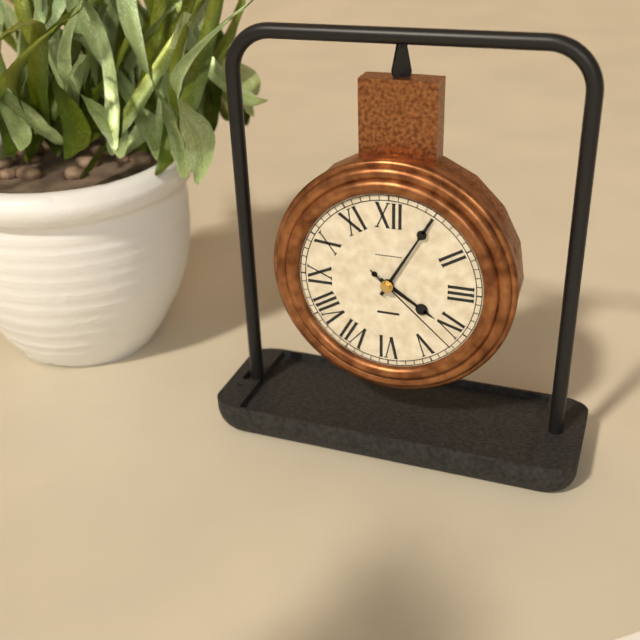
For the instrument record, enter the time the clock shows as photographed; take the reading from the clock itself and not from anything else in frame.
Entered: 4:05:22
